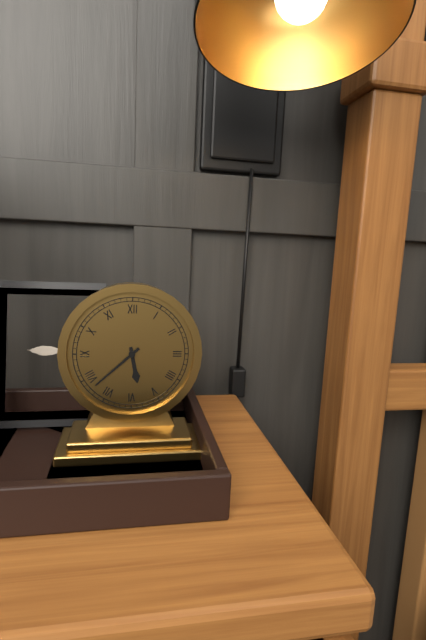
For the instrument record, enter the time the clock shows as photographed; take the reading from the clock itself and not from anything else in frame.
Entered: 5:38
